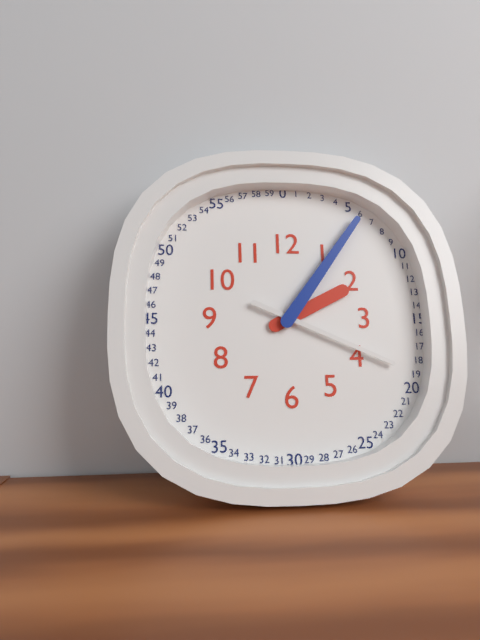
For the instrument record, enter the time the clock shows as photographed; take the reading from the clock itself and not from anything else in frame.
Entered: 2:06:19
